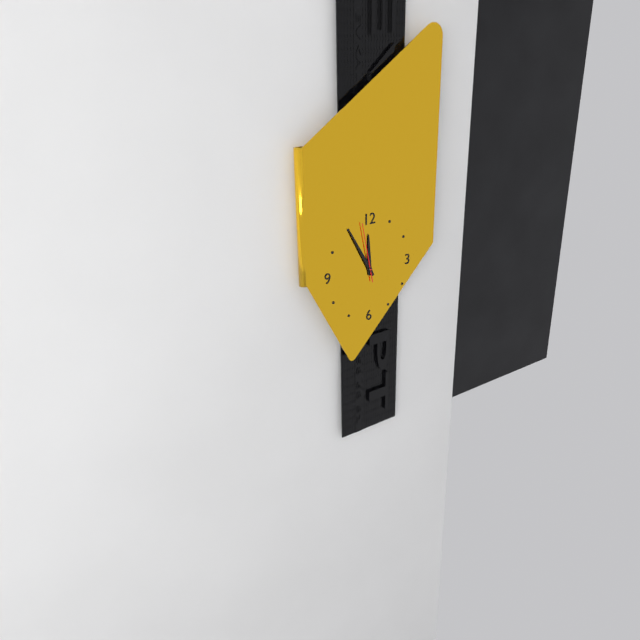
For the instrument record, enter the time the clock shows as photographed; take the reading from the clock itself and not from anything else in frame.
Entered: 11:55:58
